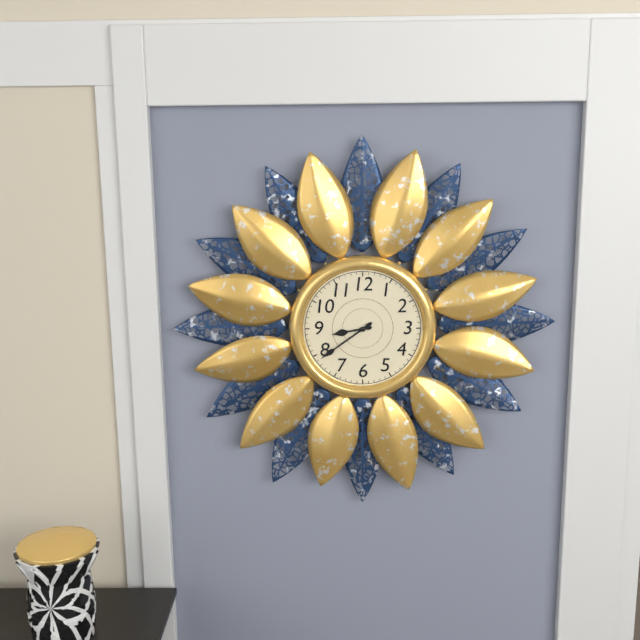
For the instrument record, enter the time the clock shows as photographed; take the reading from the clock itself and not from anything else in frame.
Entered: 8:39
